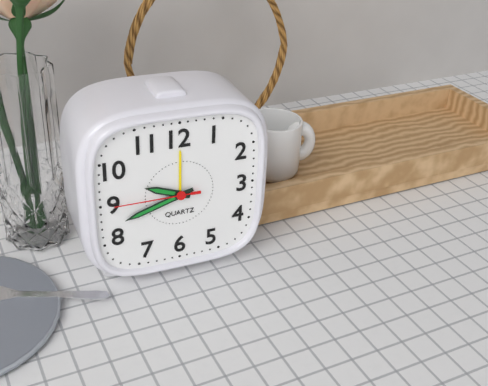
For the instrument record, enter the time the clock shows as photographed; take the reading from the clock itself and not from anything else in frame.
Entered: 9:42:45
